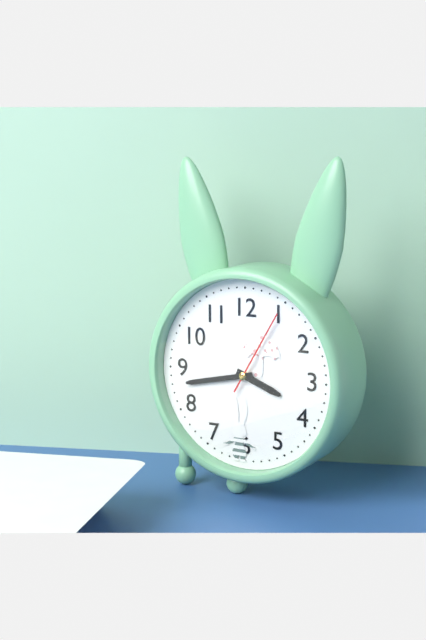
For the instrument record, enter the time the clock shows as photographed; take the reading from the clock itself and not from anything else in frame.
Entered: 3:43:05
